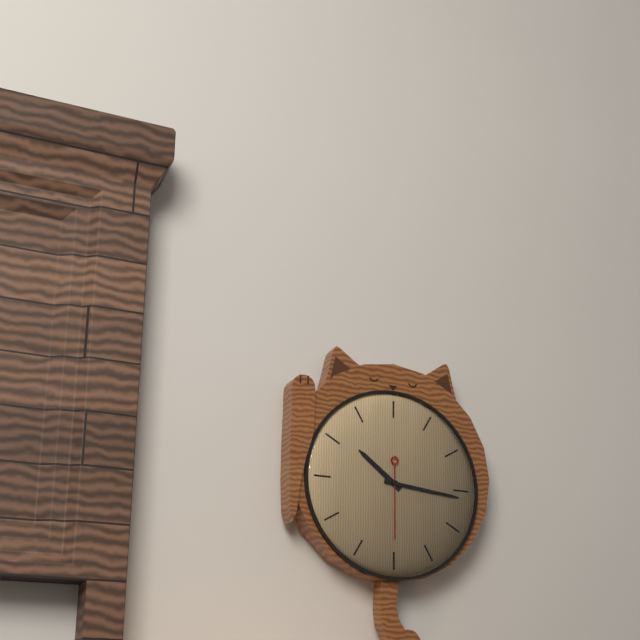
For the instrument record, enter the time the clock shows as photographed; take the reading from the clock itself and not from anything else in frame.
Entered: 10:16:30
